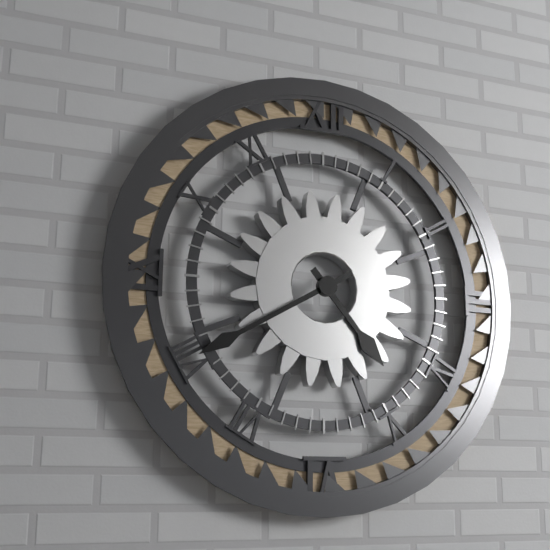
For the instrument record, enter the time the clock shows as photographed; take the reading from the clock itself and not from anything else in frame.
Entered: 4:40
